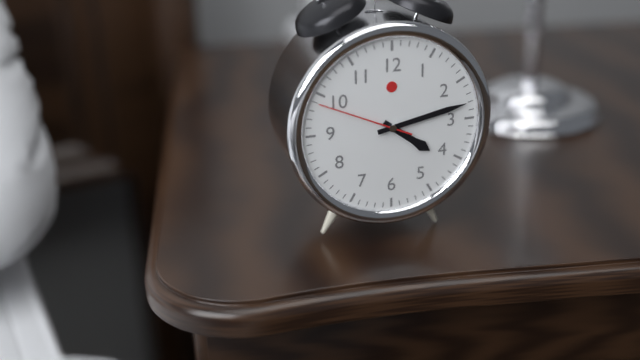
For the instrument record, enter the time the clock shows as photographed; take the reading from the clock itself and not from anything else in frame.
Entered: 4:13:49
